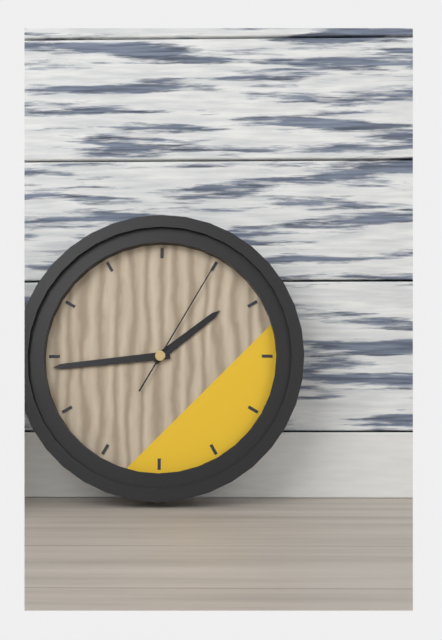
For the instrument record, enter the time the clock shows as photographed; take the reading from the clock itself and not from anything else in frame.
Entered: 1:44:05
